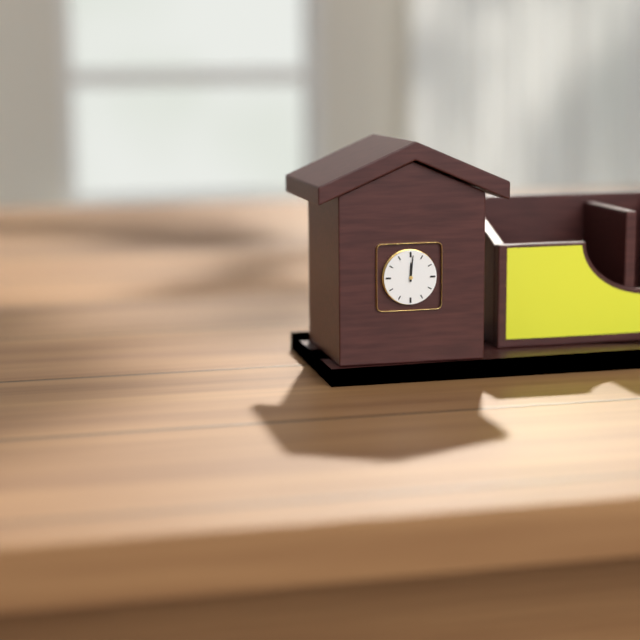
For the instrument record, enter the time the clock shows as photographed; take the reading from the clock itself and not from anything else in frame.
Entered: 12:01
